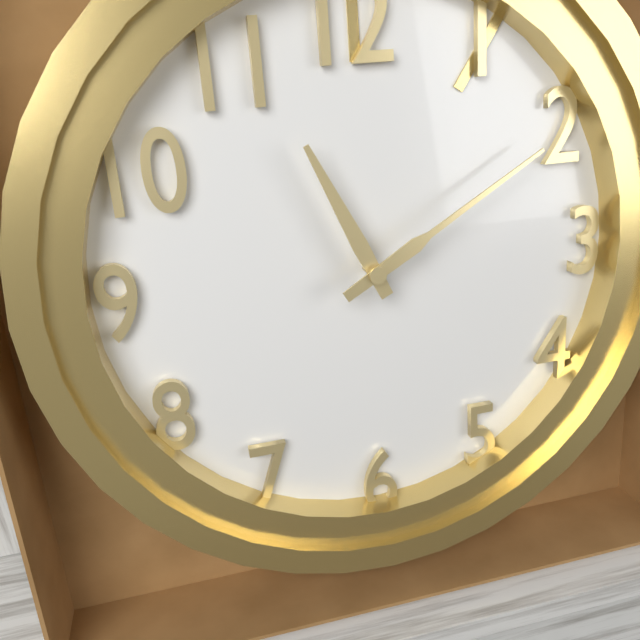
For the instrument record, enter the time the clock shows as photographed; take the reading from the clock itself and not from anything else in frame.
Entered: 11:10
